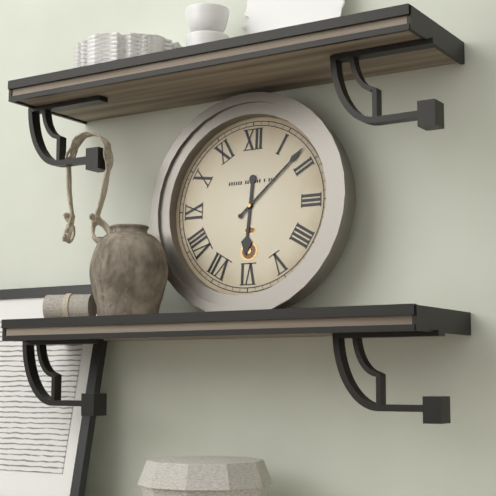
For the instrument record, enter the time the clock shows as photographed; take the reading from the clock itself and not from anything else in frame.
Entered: 6:08
